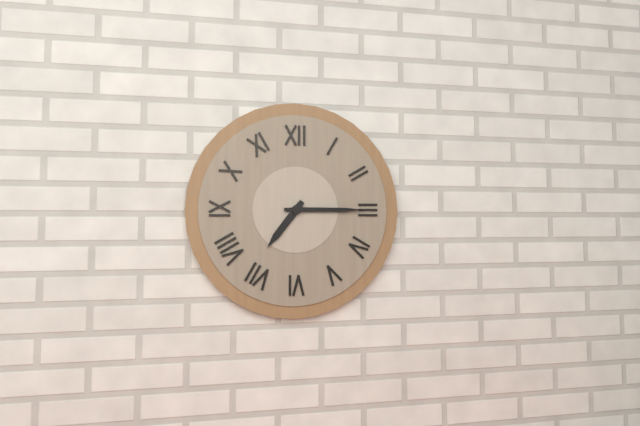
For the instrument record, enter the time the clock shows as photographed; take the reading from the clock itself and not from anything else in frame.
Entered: 7:15
